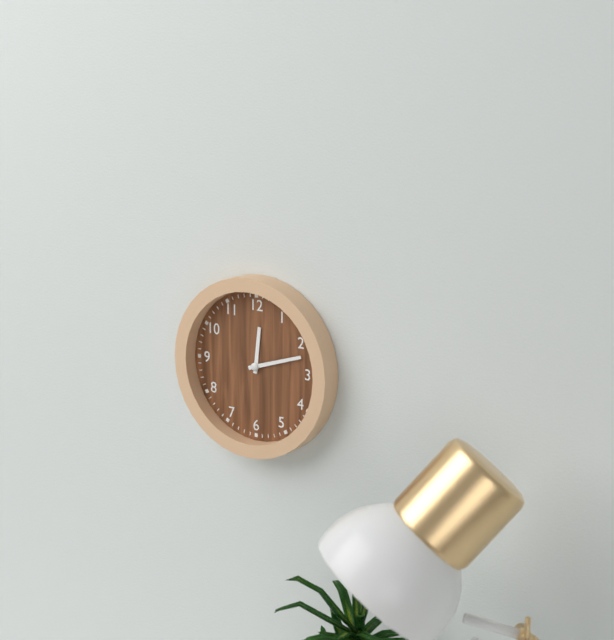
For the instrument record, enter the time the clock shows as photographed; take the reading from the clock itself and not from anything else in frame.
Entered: 12:12
